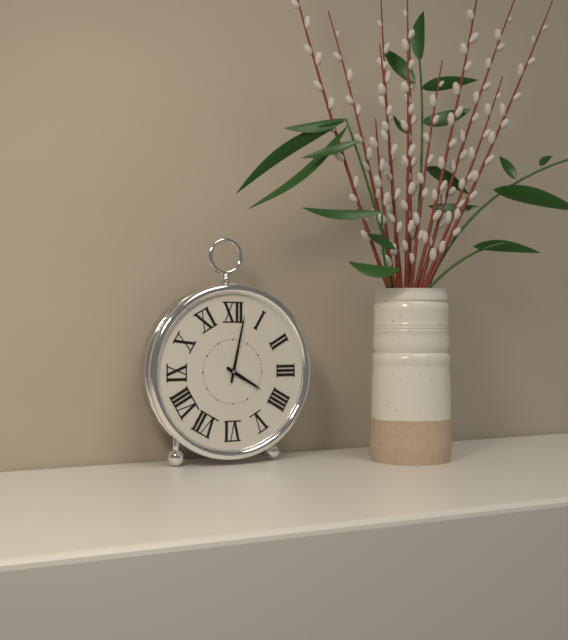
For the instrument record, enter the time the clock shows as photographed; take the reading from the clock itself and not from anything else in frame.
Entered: 4:02
